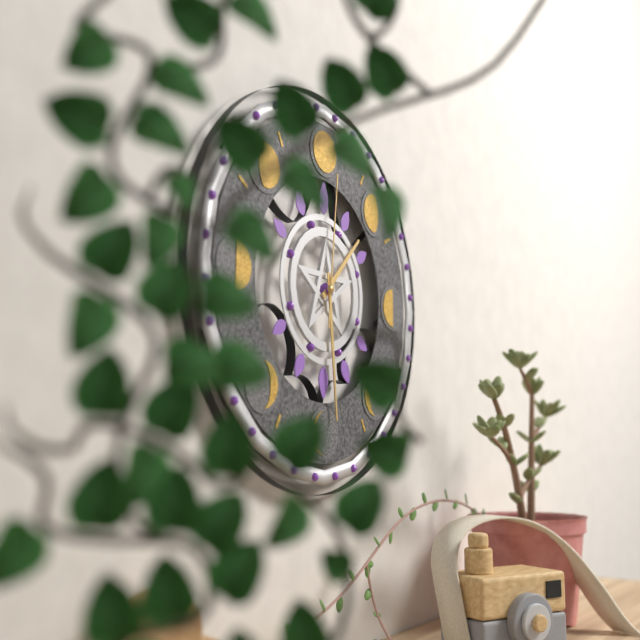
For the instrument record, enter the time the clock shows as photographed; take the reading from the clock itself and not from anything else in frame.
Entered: 1:29:01
